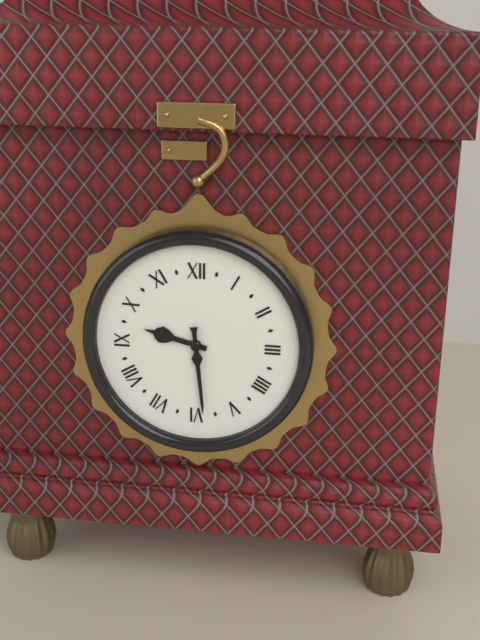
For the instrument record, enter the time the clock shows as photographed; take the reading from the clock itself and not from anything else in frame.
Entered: 9:29
